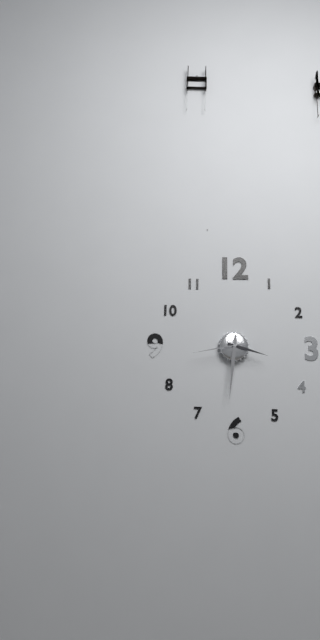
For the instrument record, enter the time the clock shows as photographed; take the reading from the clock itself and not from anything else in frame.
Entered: 3:31:43
